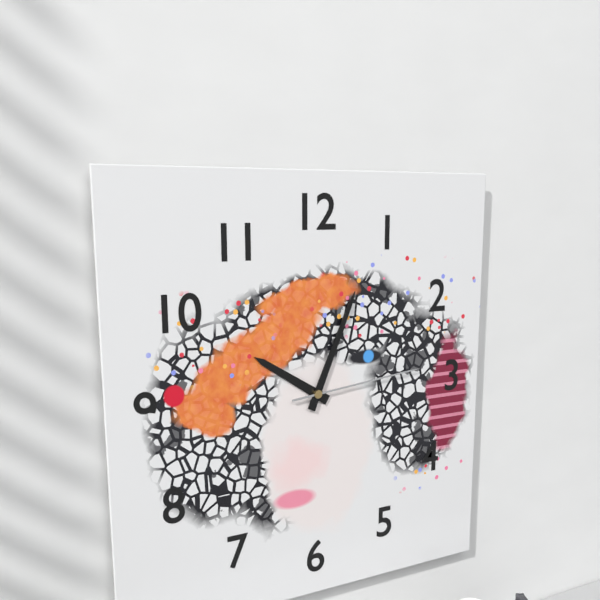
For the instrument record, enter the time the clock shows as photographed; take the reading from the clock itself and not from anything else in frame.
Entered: 10:04:14
